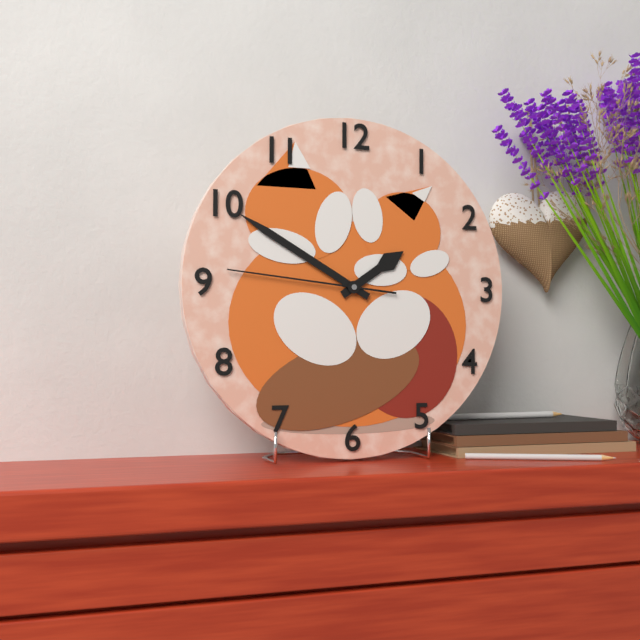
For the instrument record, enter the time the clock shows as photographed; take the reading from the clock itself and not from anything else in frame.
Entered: 1:50:46
